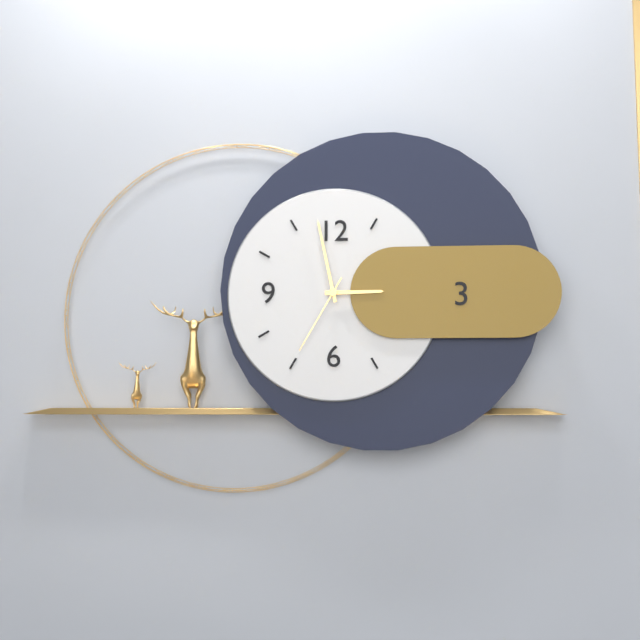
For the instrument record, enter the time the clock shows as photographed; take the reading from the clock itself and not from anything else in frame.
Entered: 2:58:35
